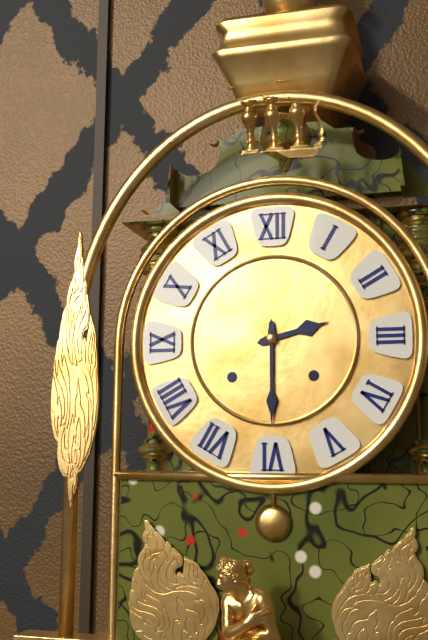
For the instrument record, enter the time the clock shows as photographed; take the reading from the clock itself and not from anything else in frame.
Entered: 2:30
